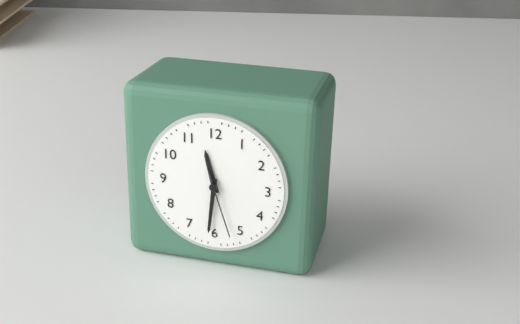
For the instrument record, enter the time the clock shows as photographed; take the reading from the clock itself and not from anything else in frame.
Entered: 11:31:27
